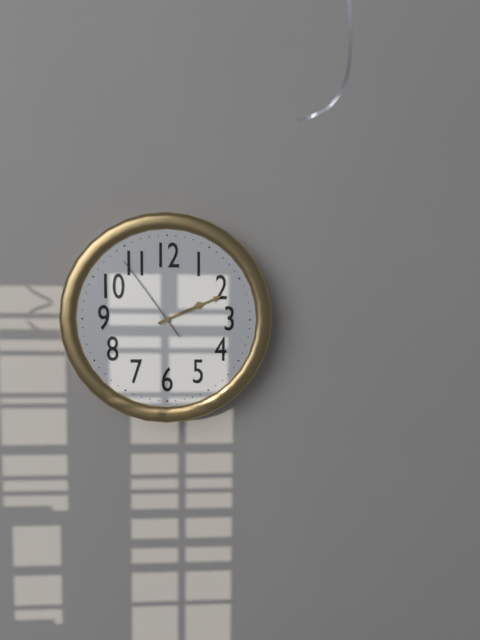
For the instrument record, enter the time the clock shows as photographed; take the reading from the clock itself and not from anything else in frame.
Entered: 2:11:54
